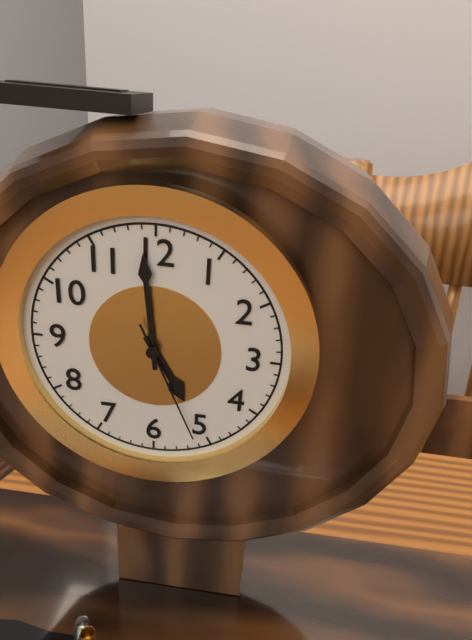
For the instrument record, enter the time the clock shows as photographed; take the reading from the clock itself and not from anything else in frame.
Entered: 4:59:26
